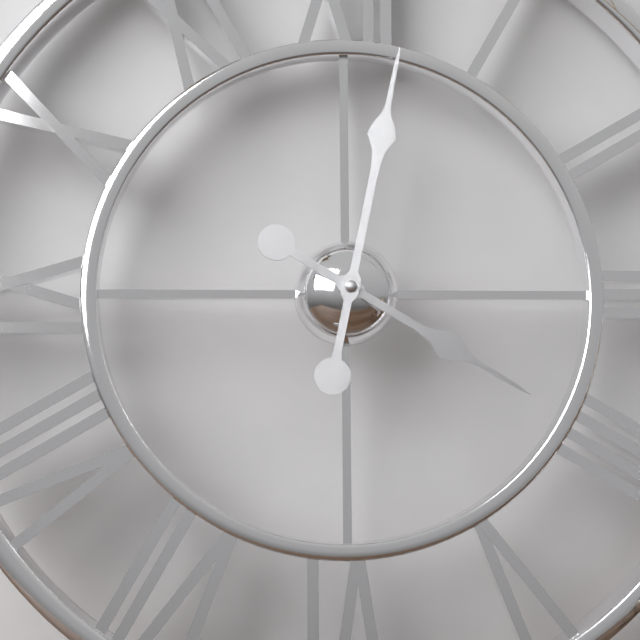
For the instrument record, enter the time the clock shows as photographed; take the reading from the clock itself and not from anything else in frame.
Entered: 4:02
